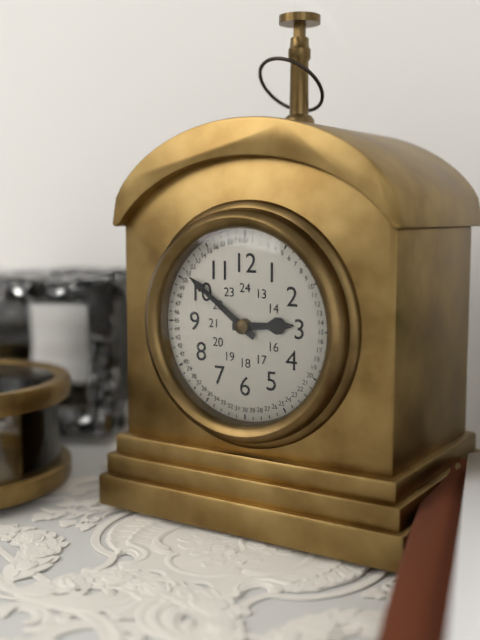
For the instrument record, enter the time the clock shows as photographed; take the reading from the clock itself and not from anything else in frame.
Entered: 2:51
